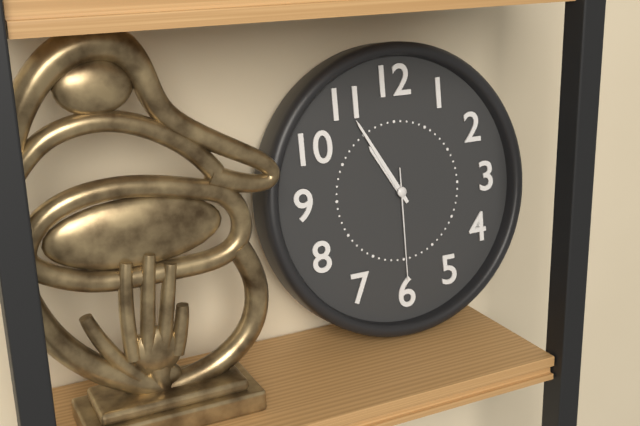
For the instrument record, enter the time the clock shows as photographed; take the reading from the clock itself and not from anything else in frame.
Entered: 10:55:30
